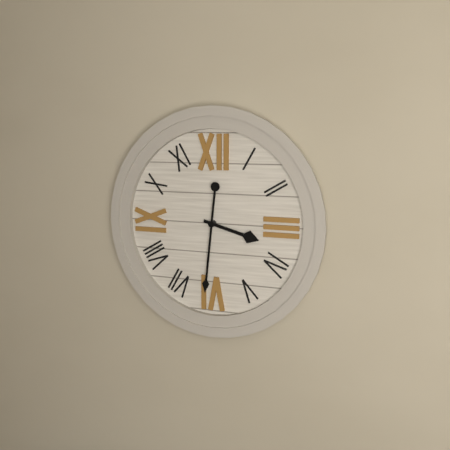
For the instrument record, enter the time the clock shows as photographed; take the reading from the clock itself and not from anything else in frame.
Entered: 3:31
